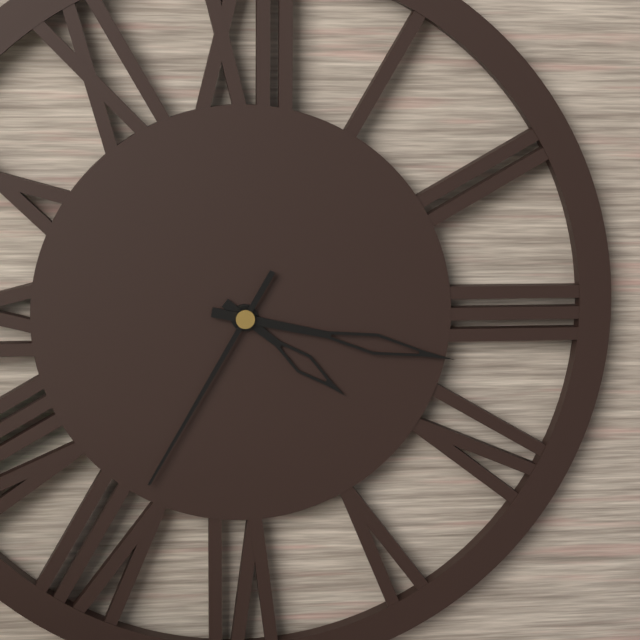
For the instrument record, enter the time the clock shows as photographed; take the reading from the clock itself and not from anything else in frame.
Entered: 4:17:35
